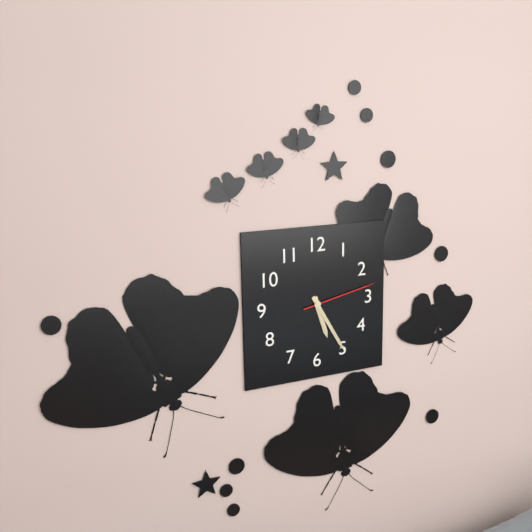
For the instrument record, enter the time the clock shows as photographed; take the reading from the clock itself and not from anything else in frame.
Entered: 5:25:13
